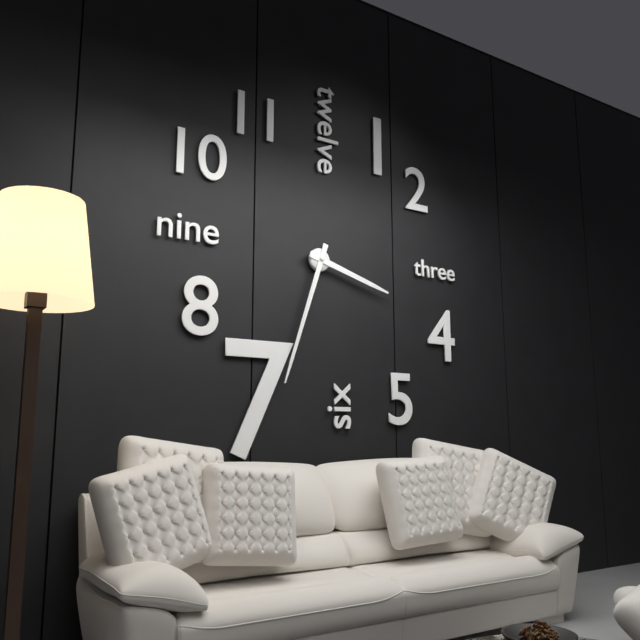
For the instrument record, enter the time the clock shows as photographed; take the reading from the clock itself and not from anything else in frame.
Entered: 3:33
